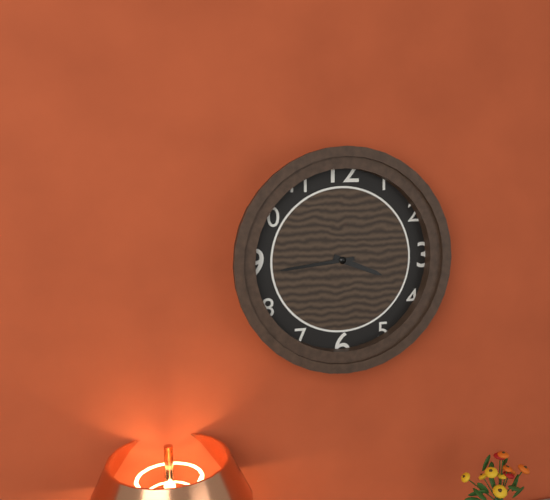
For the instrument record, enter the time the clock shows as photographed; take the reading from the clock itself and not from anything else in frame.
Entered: 3:44
